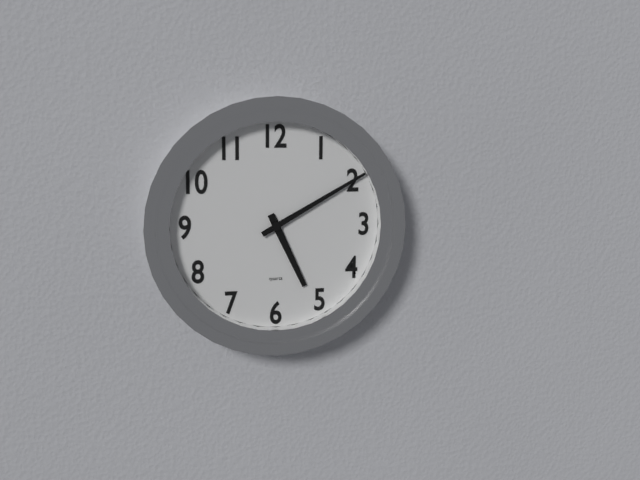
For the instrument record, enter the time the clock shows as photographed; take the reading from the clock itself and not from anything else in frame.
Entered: 5:10
